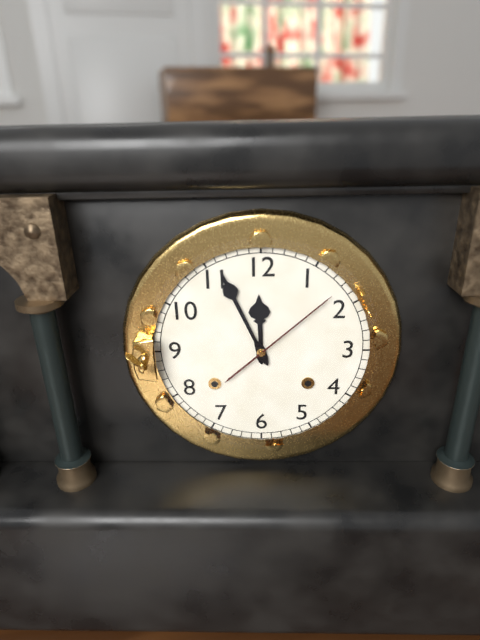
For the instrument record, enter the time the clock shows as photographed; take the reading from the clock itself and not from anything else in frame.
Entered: 11:56:08
